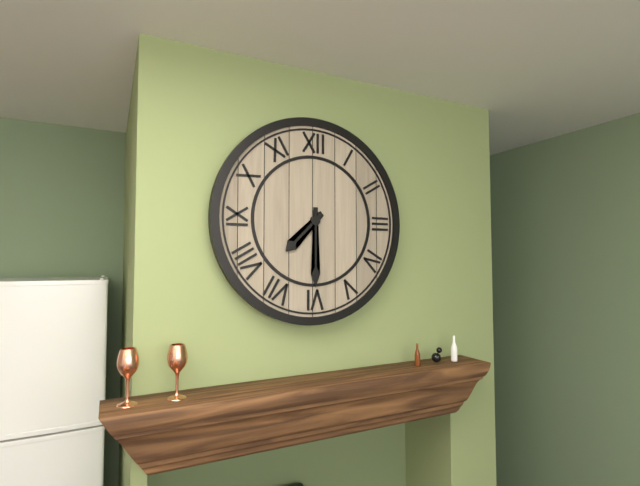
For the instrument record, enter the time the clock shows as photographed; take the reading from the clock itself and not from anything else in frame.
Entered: 7:30
